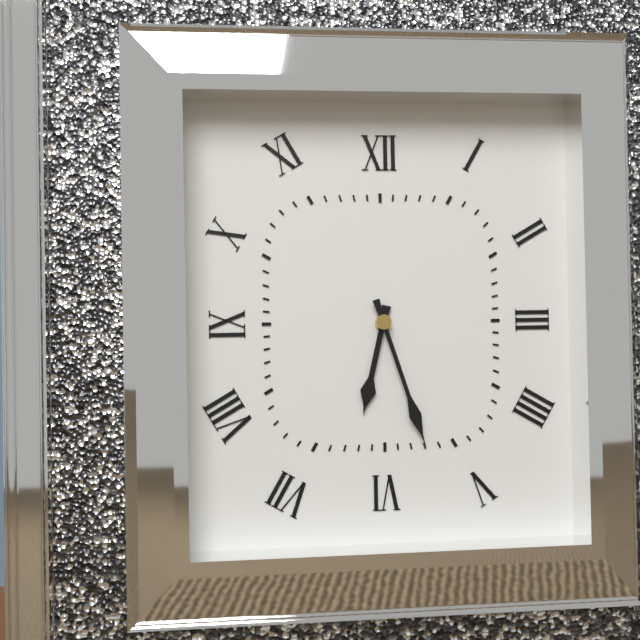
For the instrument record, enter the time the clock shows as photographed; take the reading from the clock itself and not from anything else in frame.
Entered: 6:27
